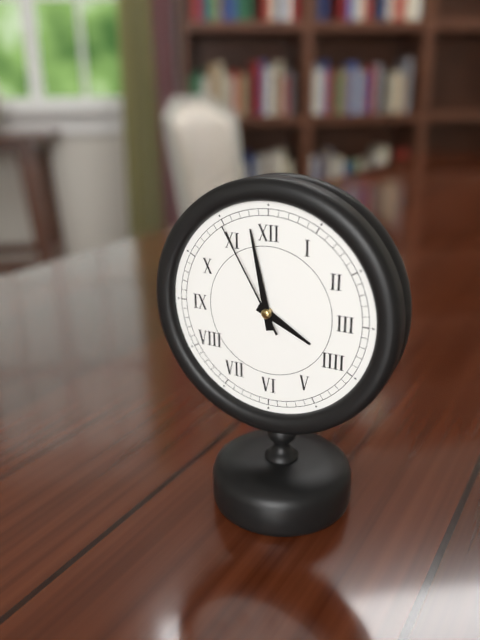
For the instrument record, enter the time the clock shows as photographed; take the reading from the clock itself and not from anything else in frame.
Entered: 3:58:55
